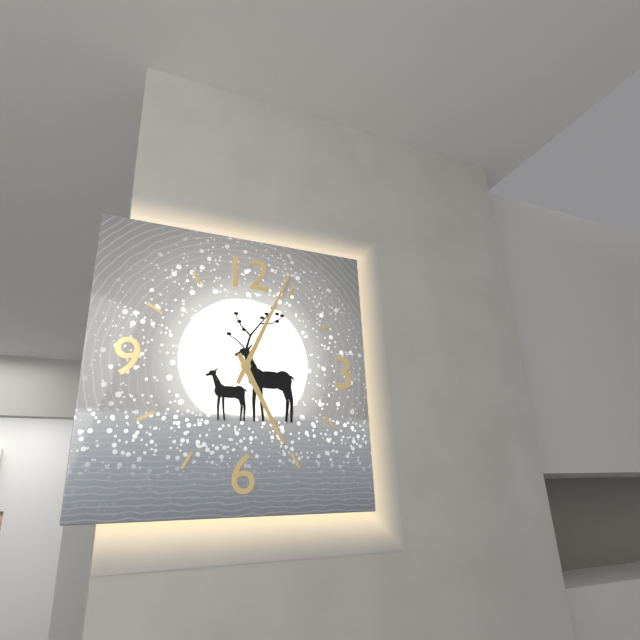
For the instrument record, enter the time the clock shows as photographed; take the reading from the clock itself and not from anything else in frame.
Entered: 5:04
